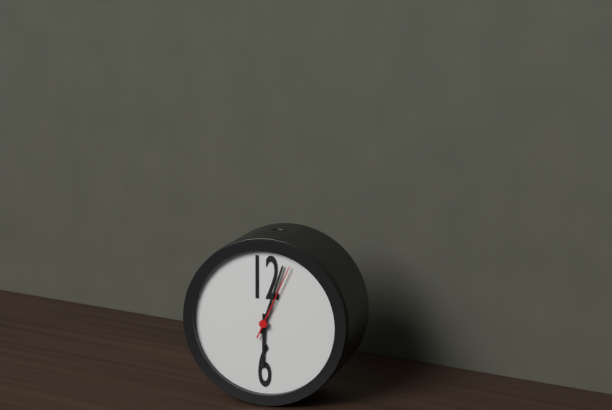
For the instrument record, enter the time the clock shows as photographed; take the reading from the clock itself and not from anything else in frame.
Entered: 6:03:04
